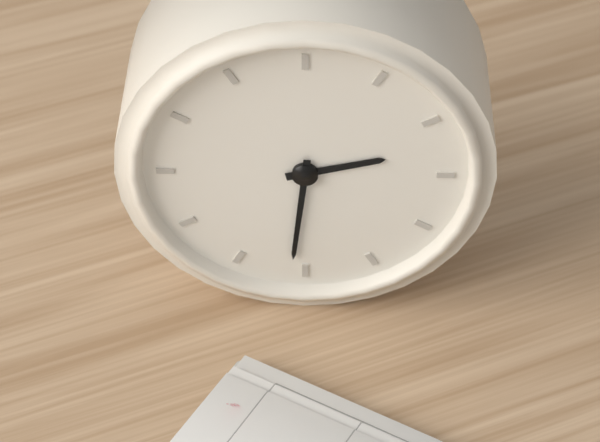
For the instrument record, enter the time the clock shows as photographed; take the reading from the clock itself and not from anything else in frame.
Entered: 2:31
